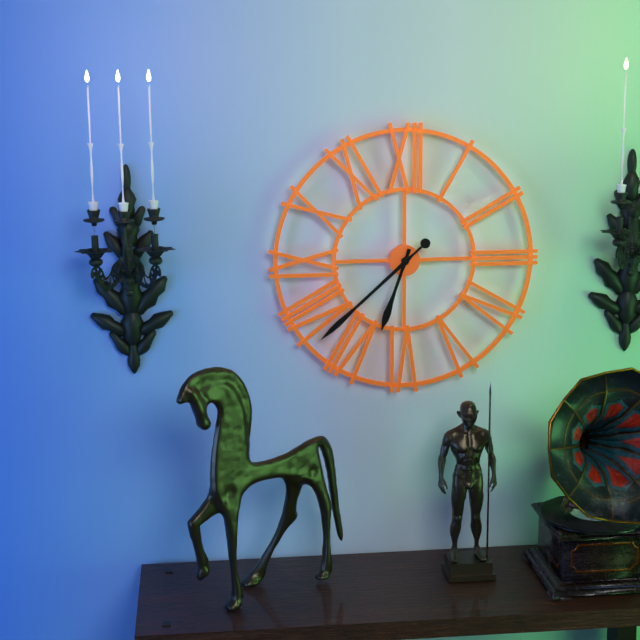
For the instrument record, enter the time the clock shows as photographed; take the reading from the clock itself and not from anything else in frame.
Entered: 6:38
